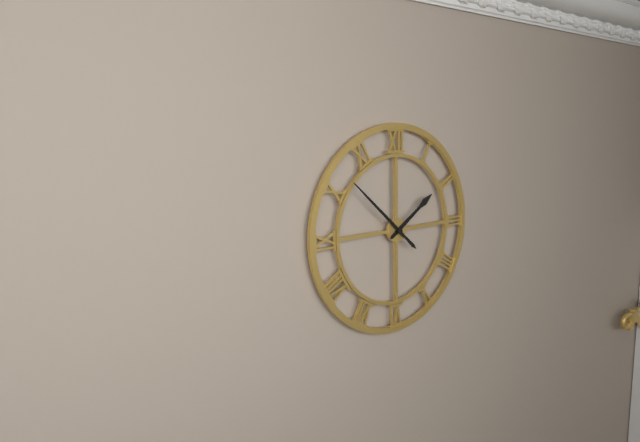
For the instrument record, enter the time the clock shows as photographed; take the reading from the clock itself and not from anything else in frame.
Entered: 1:52
